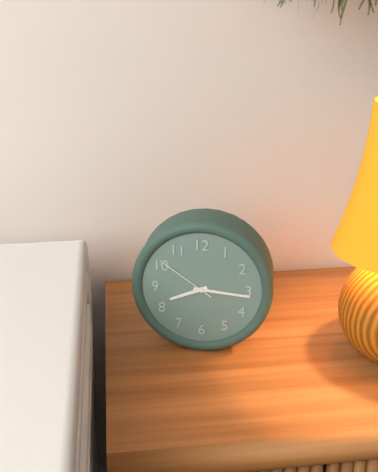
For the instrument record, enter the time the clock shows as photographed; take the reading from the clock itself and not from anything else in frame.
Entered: 8:16:51
